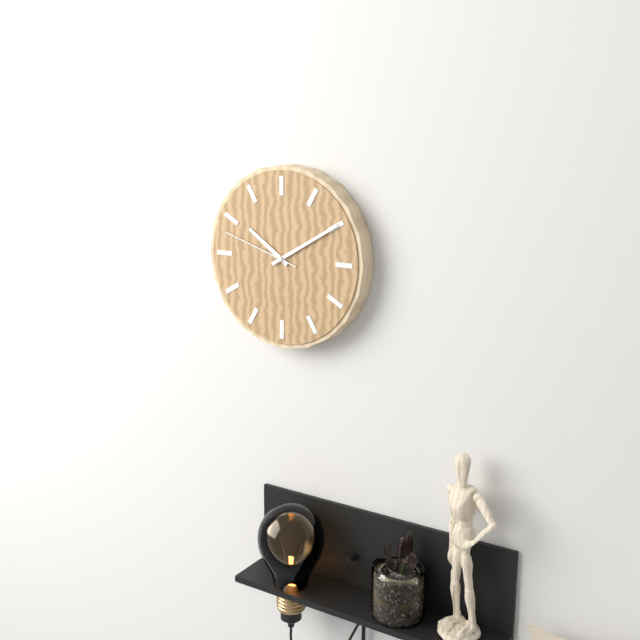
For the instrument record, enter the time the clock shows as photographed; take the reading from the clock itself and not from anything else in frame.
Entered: 10:10:48
